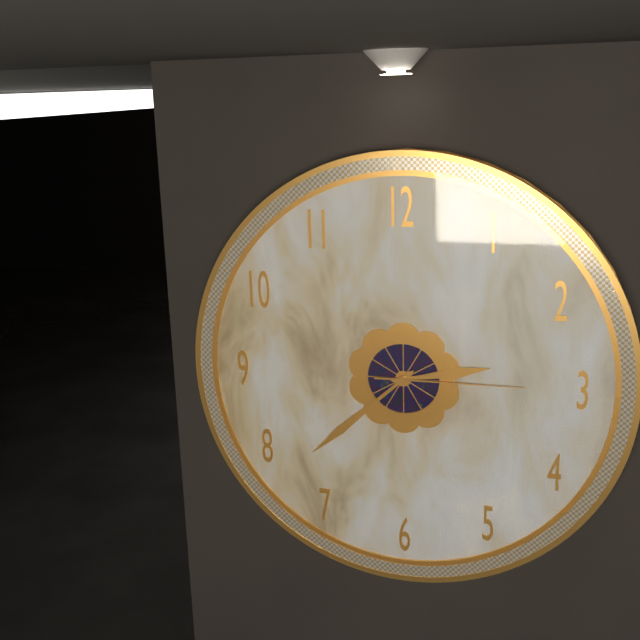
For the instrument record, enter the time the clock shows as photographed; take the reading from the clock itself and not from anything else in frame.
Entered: 2:38:15
